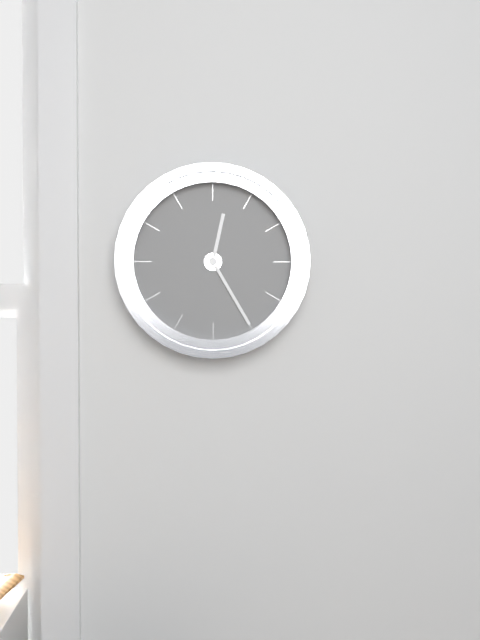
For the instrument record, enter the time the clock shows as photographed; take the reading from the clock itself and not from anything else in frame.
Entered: 12:25
